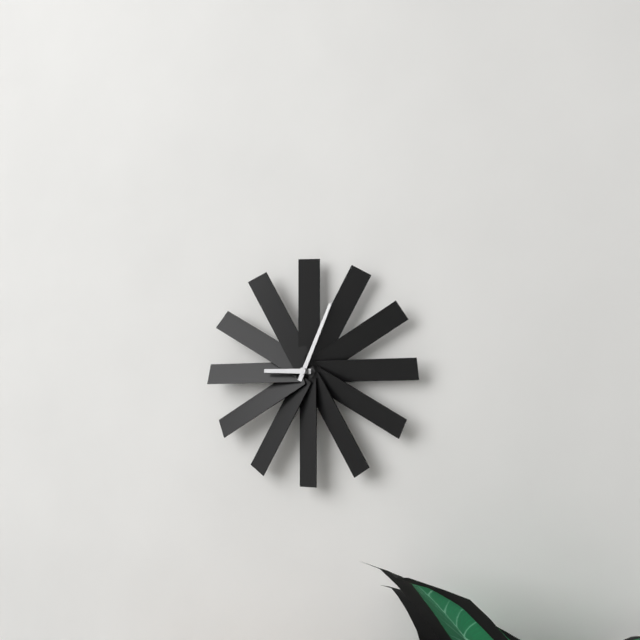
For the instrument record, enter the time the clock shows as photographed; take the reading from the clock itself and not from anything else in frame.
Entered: 9:04
